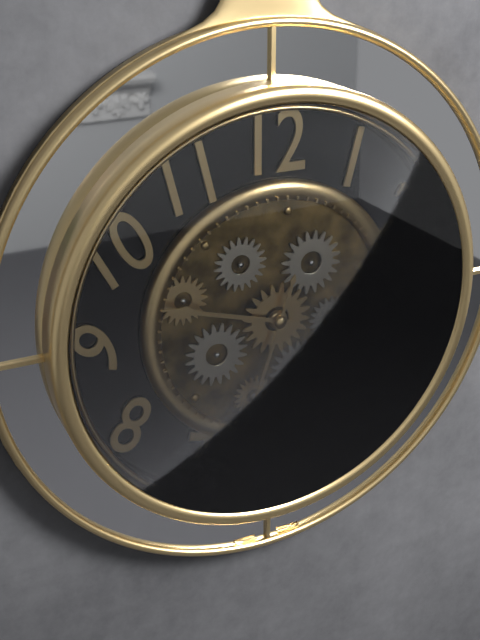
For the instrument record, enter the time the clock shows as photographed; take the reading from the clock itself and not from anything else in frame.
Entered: 9:33
